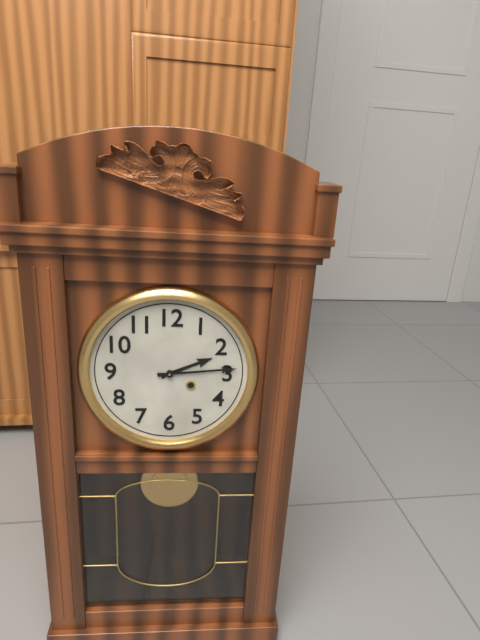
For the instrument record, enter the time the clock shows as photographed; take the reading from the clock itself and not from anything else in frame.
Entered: 2:14
